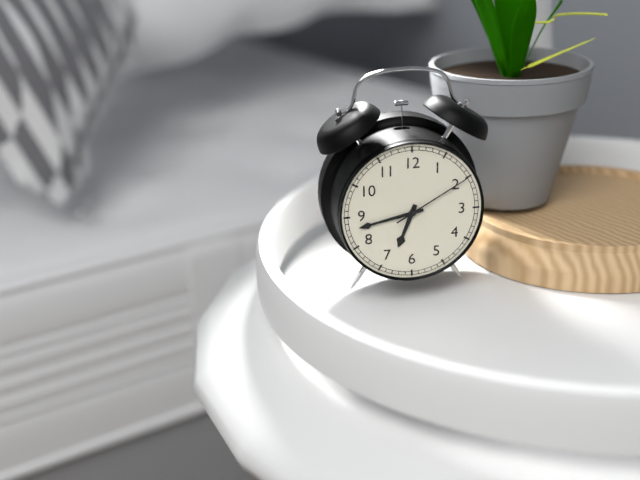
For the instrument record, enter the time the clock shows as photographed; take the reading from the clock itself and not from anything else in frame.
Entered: 6:43:10
